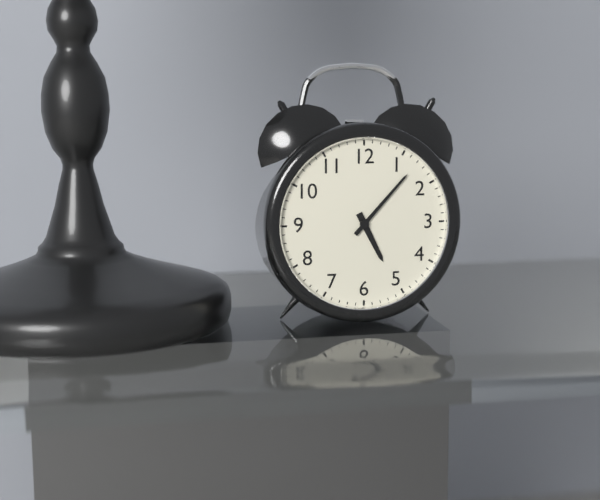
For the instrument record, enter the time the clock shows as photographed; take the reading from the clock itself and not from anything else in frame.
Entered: 5:07
